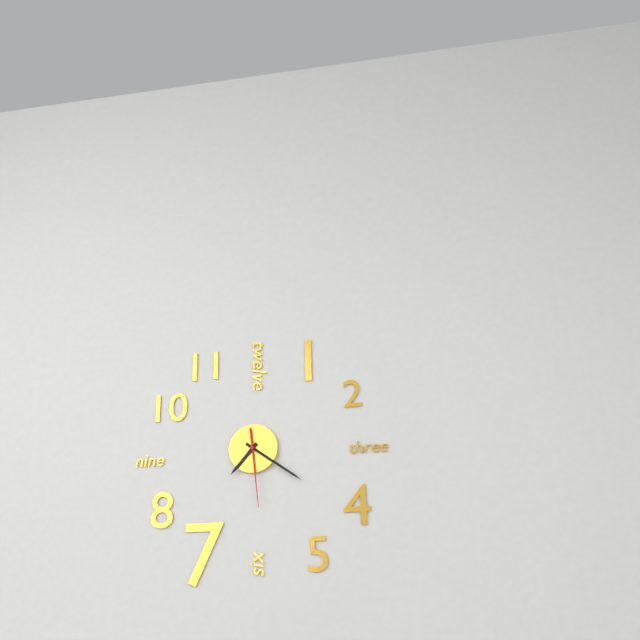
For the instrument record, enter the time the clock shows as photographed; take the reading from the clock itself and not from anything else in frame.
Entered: 7:21:29
